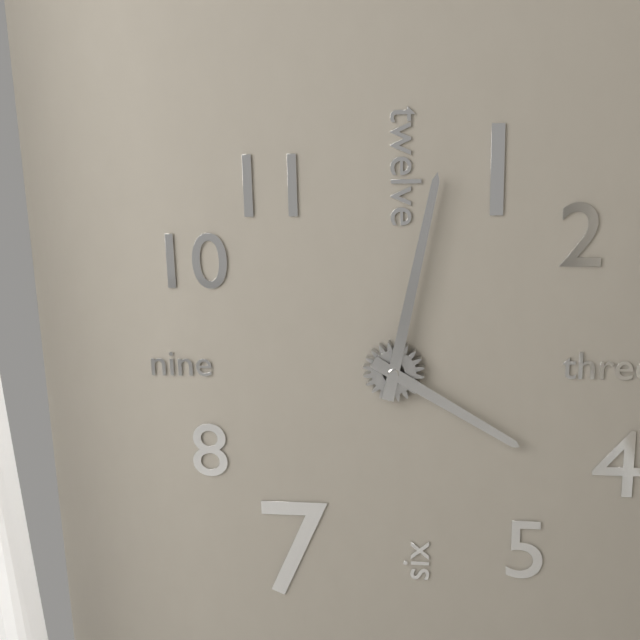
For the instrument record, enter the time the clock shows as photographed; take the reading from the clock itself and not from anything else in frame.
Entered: 4:02
